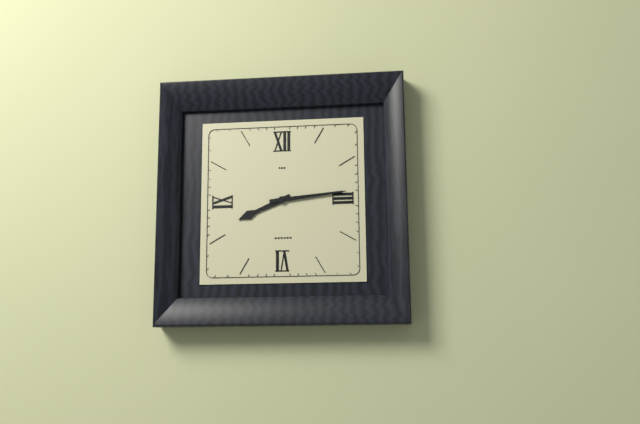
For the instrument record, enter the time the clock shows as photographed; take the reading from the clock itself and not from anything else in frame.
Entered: 8:14
